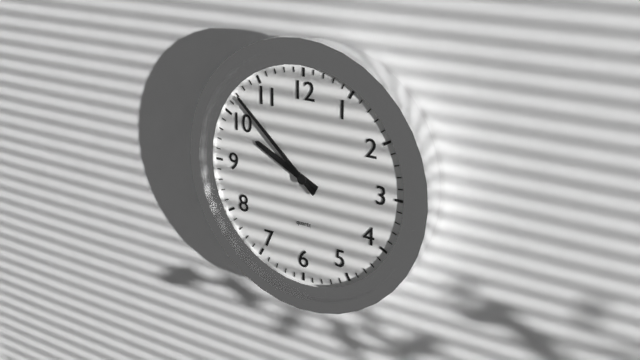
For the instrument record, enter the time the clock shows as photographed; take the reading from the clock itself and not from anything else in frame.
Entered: 9:52
